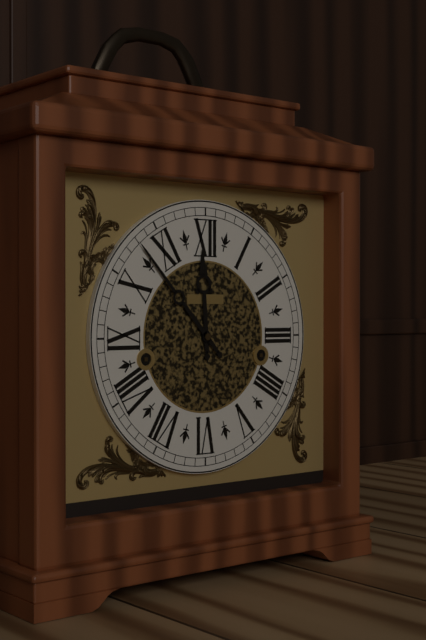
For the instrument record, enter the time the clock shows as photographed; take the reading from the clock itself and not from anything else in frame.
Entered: 11:53
